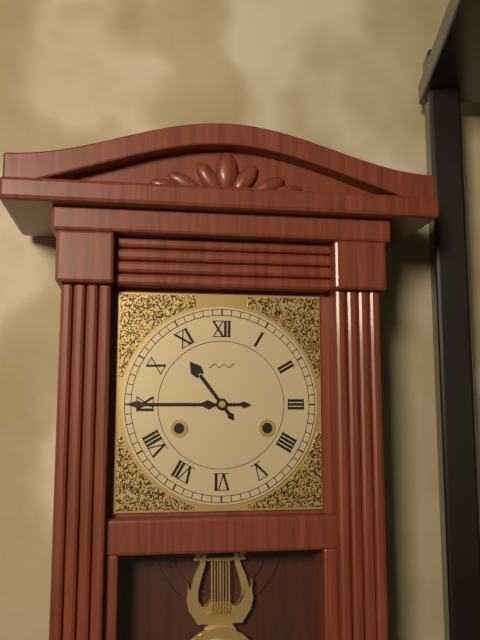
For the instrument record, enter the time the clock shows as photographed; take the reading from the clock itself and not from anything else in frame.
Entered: 10:45
